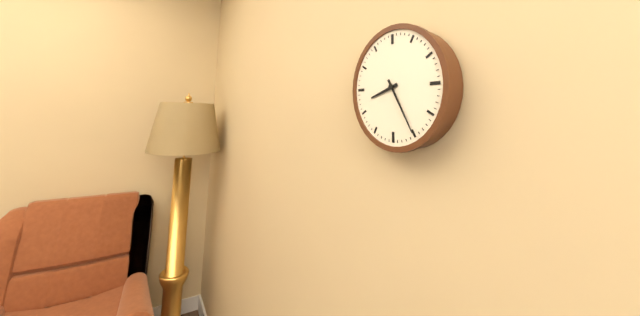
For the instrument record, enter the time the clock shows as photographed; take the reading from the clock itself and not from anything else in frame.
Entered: 8:25
